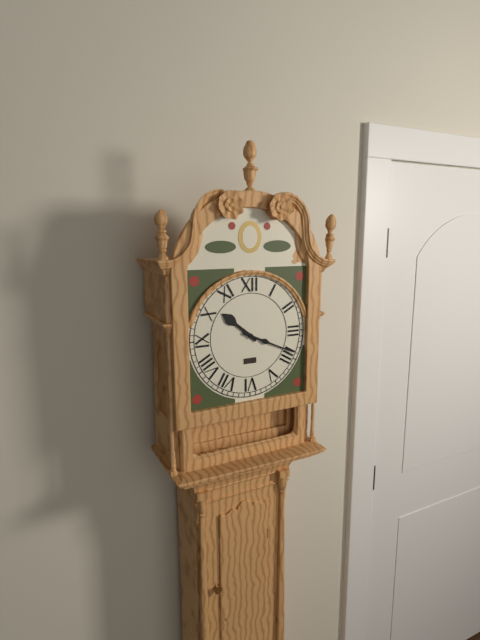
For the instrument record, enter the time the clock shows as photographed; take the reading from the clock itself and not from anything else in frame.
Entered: 10:19
